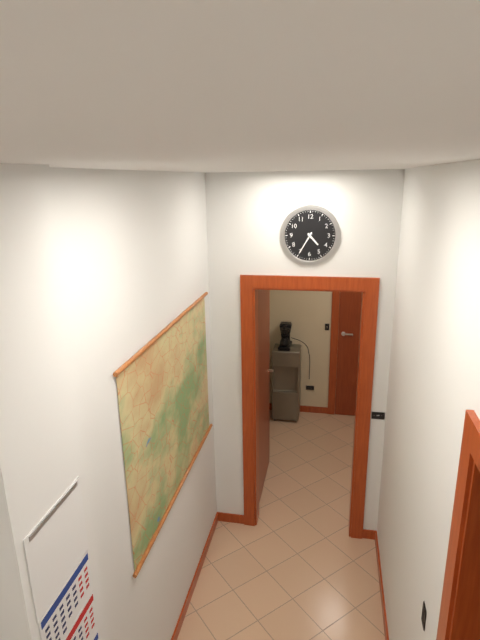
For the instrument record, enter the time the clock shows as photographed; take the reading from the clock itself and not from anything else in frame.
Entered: 4:35
